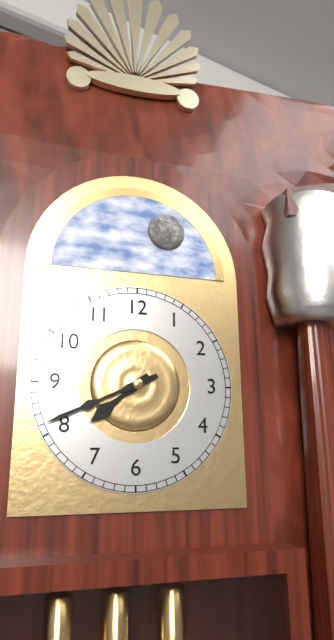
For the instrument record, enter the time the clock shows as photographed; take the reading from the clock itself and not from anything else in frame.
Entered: 7:41
